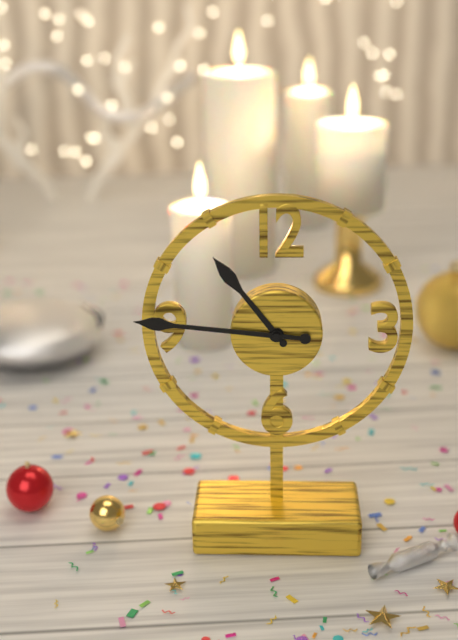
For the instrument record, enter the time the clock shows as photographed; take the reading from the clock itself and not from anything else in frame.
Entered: 10:46
